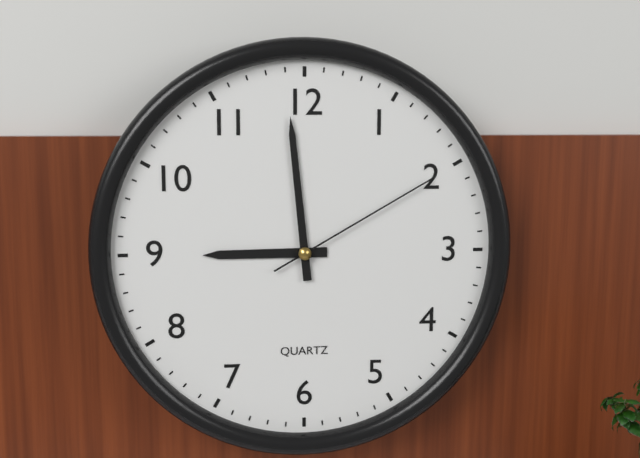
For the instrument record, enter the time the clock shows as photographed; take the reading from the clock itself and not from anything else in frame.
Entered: 8:59:10
